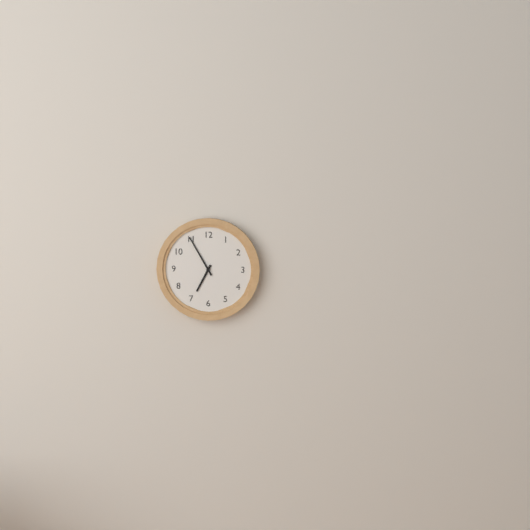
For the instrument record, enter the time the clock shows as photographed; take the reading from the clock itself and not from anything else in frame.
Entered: 6:55
